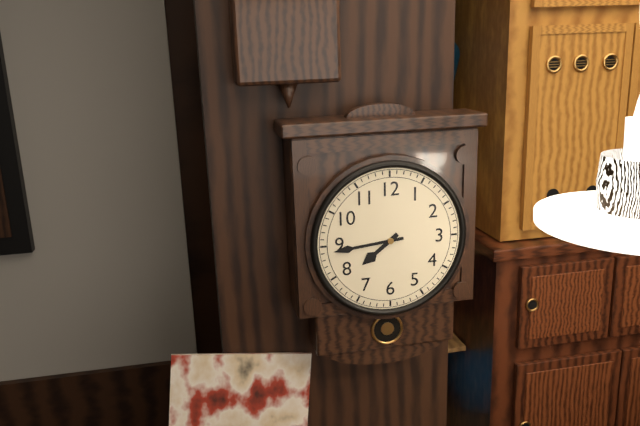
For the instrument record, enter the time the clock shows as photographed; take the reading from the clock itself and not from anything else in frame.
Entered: 7:44
